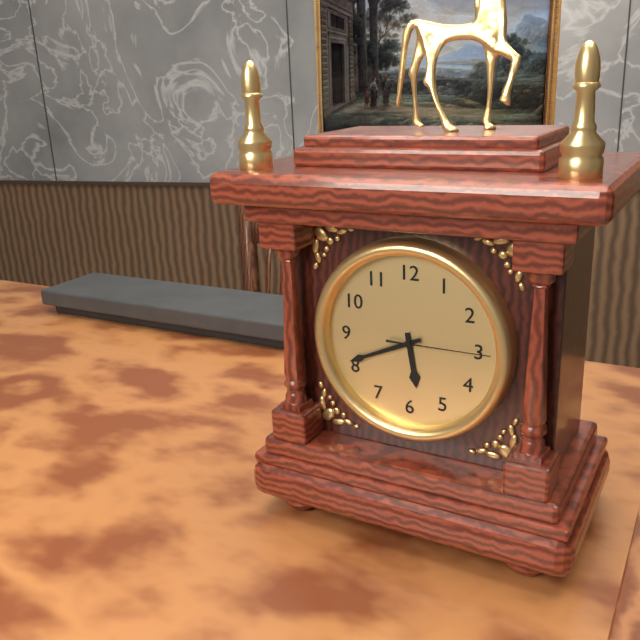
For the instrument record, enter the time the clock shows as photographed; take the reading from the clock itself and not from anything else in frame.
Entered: 5:41:15
